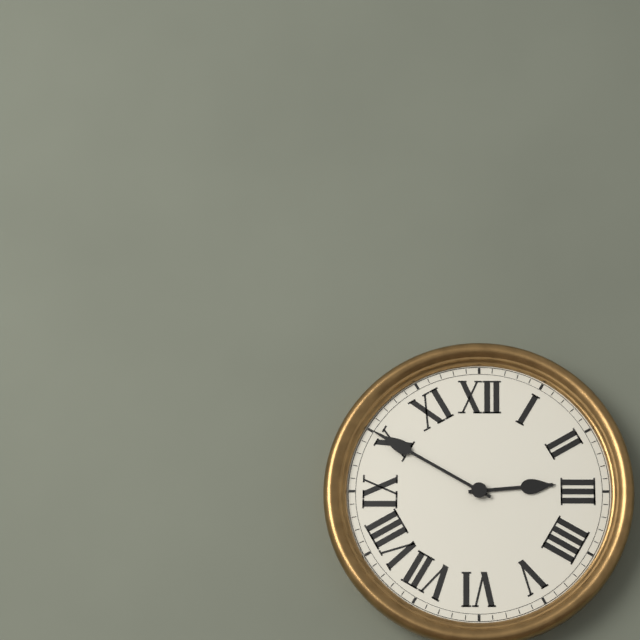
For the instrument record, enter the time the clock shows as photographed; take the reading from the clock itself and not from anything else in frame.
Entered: 2:50
